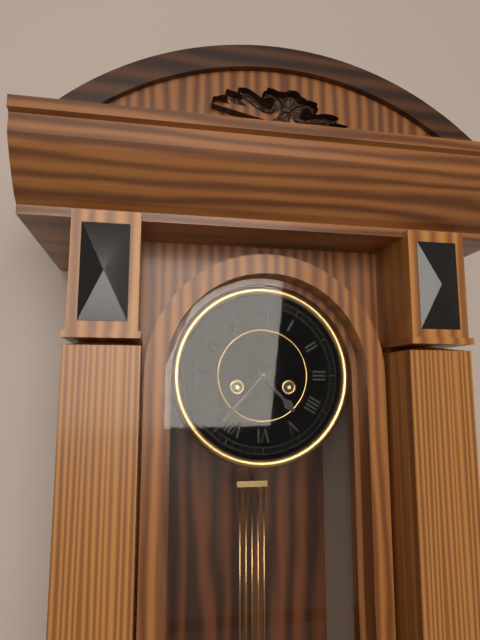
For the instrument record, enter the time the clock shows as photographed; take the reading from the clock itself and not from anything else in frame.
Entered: 4:37
